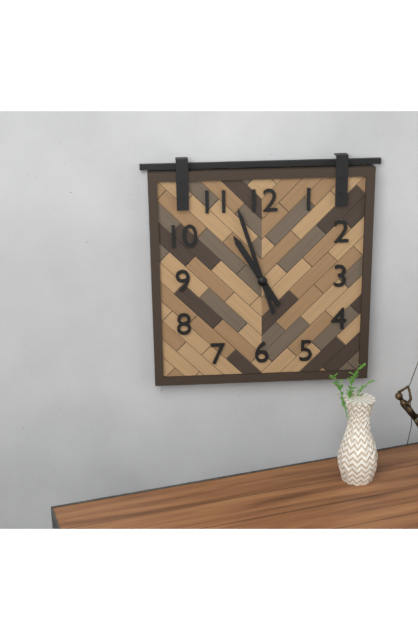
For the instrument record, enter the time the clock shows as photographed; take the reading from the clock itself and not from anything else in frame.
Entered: 10:57
